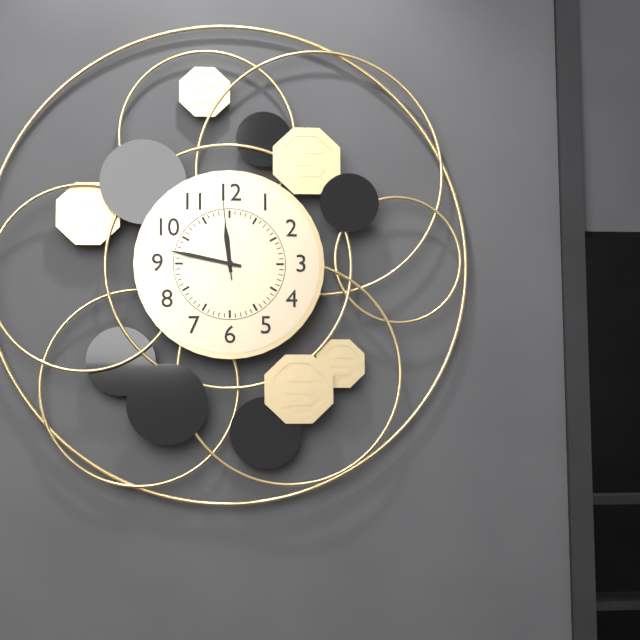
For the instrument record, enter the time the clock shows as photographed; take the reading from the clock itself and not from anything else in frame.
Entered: 11:47:59
